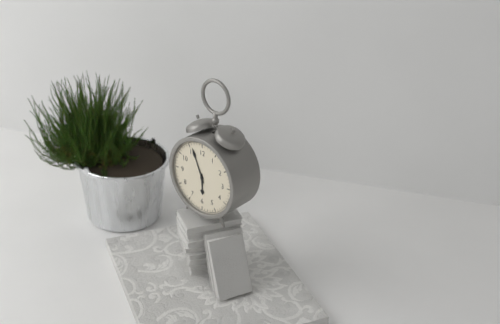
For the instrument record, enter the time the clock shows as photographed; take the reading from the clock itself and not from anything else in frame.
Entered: 5:56
